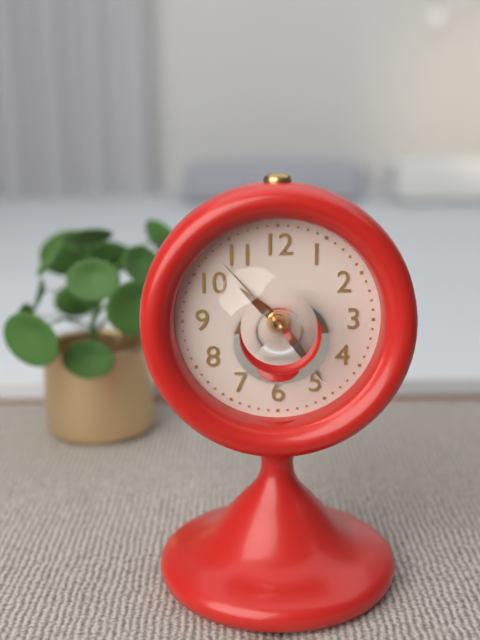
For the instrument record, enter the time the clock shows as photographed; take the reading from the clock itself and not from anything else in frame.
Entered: 10:24:53
